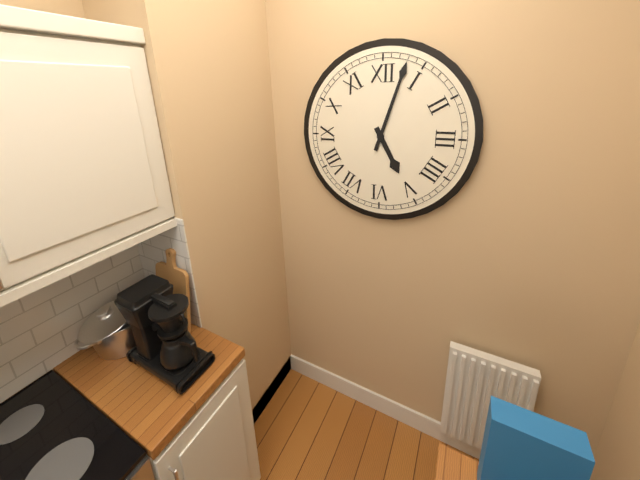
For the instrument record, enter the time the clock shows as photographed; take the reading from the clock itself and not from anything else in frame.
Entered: 5:03
